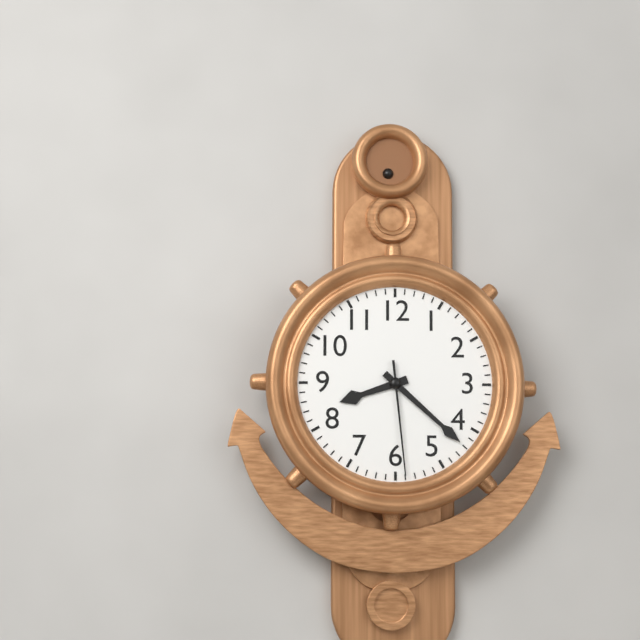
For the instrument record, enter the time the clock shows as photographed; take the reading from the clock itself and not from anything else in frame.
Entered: 8:22:29
